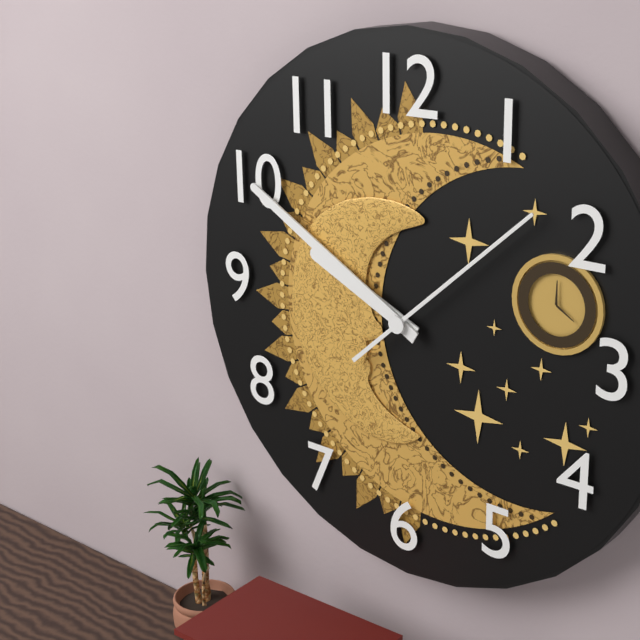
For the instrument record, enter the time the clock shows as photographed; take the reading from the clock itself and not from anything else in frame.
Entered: 9:50:08
